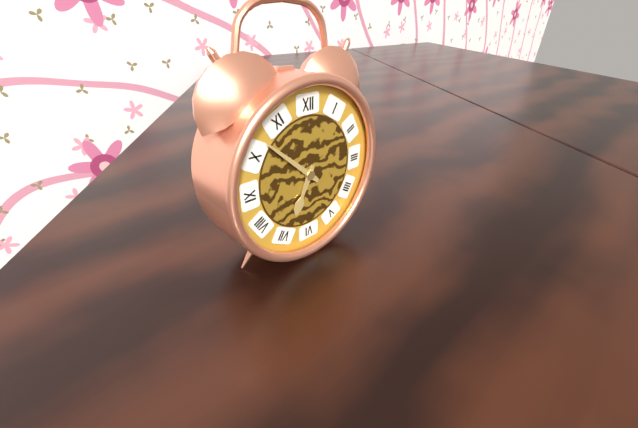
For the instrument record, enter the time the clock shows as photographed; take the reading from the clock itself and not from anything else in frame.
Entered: 6:52
